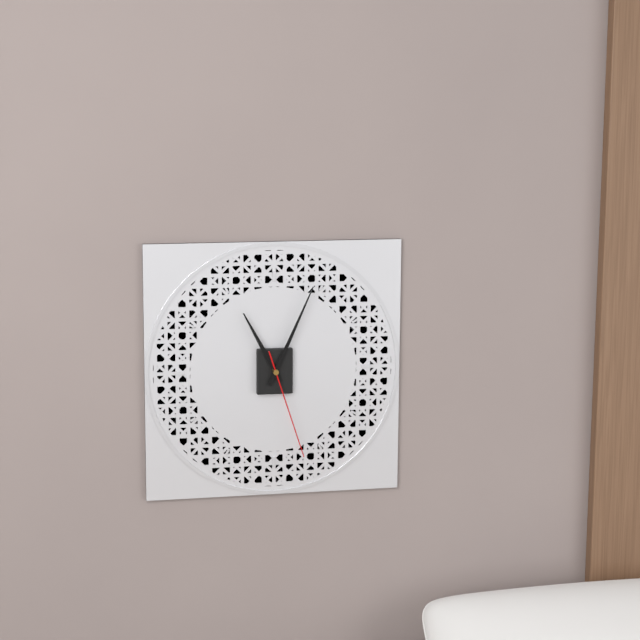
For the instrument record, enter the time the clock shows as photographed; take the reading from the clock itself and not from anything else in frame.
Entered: 11:04:27
